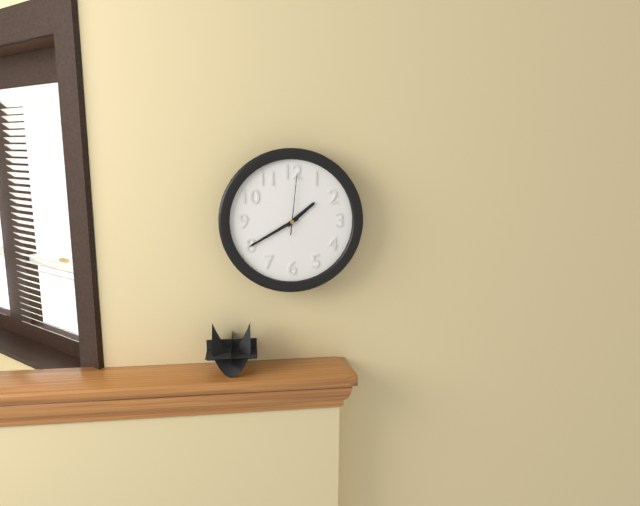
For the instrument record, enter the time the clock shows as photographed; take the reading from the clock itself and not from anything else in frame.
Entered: 1:40:01
